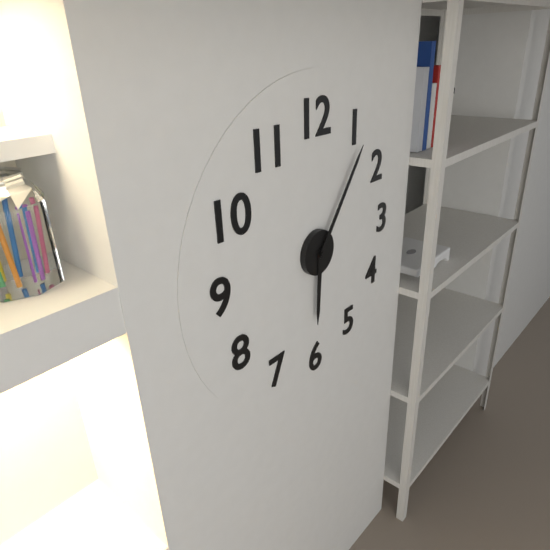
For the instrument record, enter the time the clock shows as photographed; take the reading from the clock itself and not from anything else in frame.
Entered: 6:06
